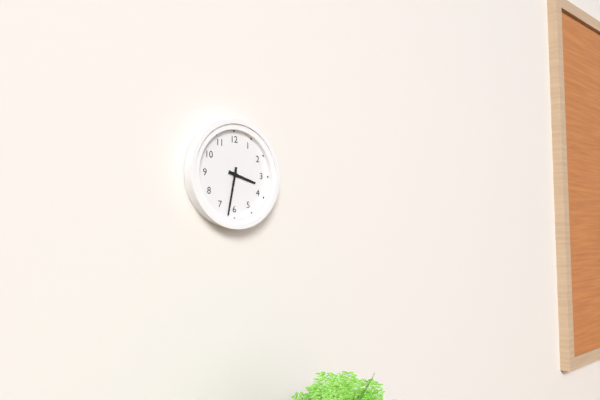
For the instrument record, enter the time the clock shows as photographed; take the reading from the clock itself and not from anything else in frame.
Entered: 3:32
